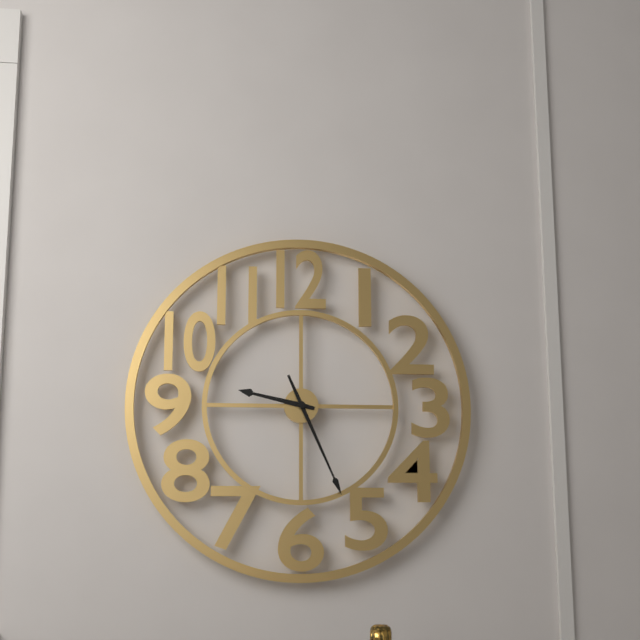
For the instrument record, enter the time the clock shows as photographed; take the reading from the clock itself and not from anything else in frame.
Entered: 9:26
